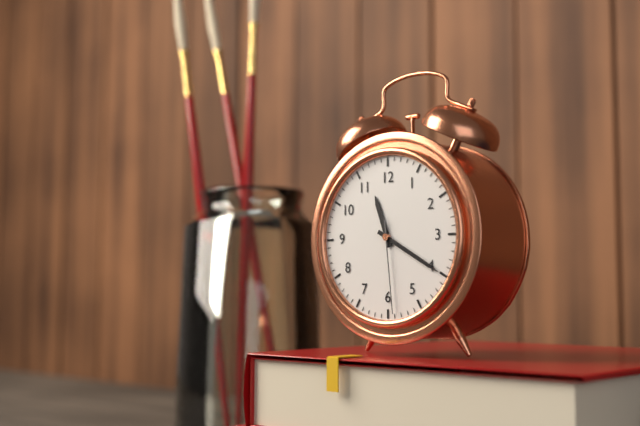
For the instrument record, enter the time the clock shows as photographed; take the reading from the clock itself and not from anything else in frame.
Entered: 11:20:29
